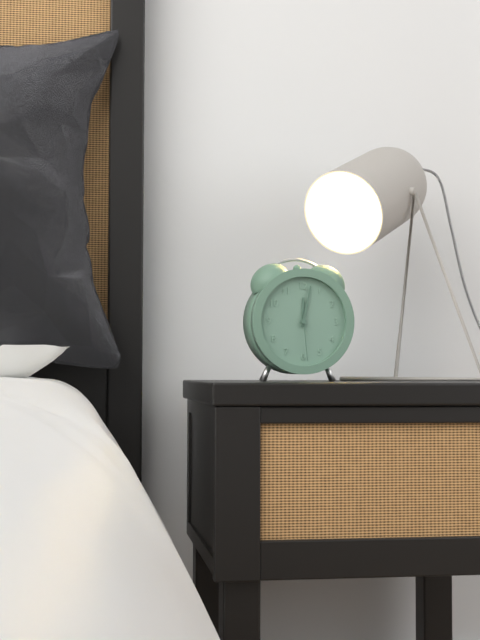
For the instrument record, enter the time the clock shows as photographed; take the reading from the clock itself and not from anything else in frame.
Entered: 12:02
